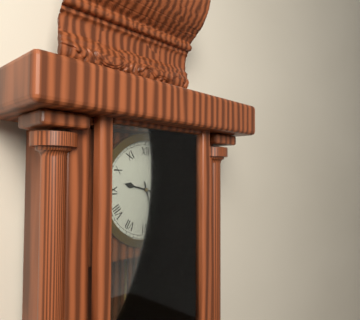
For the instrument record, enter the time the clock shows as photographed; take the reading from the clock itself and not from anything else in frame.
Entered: 9:27
